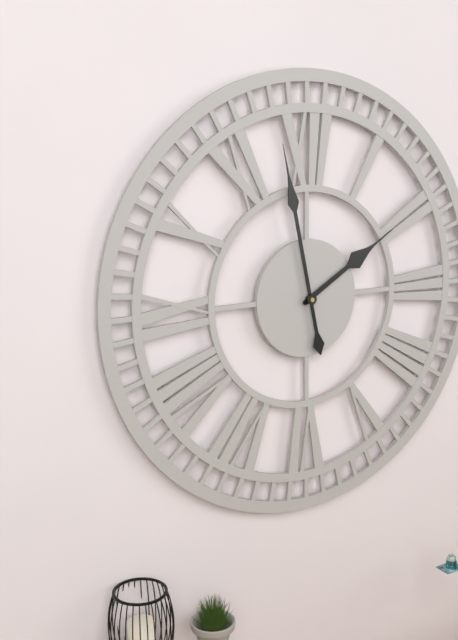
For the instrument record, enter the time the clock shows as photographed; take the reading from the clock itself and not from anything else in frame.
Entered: 1:58
